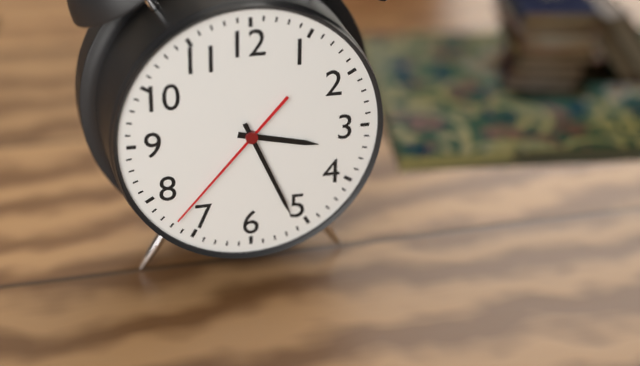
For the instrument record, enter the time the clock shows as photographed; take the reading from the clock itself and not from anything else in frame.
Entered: 3:26:37
